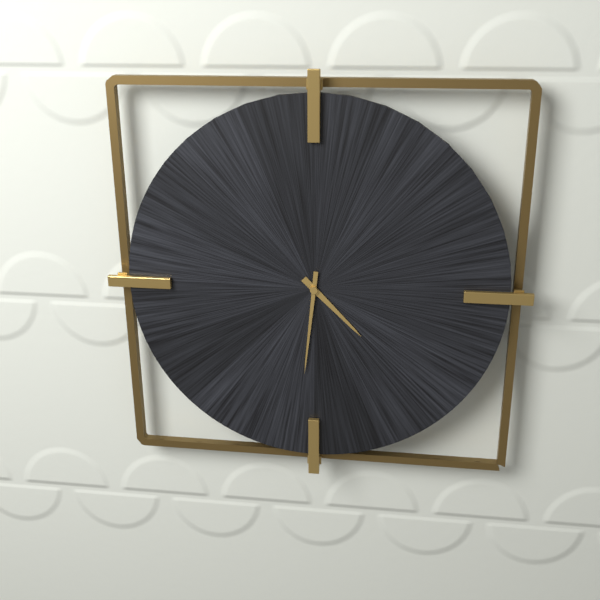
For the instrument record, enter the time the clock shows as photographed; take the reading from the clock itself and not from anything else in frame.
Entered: 4:31
